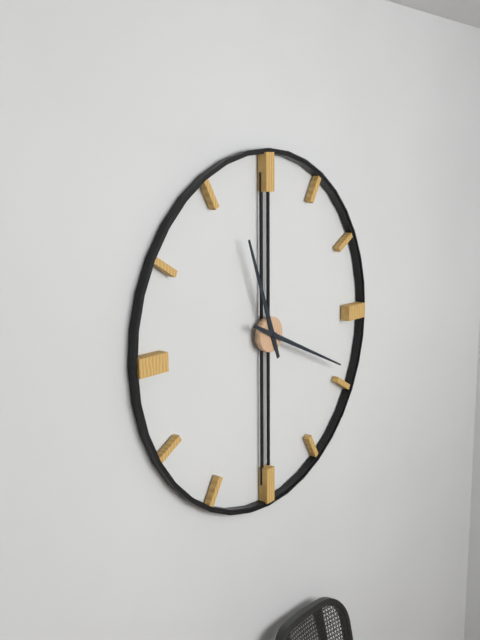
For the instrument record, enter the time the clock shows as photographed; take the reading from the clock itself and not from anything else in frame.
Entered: 11:19
